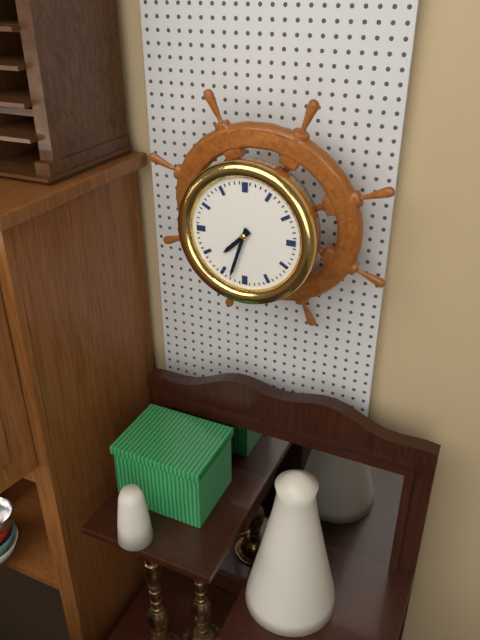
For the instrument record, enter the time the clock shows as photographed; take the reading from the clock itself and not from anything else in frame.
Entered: 7:33
